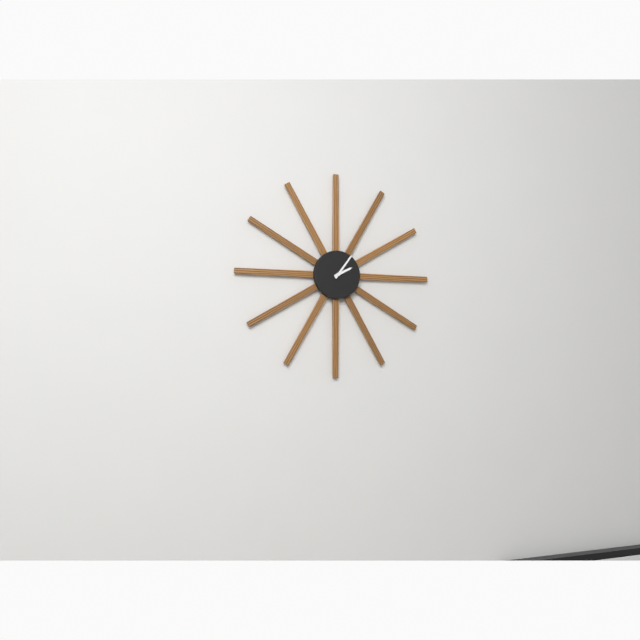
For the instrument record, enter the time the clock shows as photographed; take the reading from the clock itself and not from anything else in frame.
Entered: 2:06
